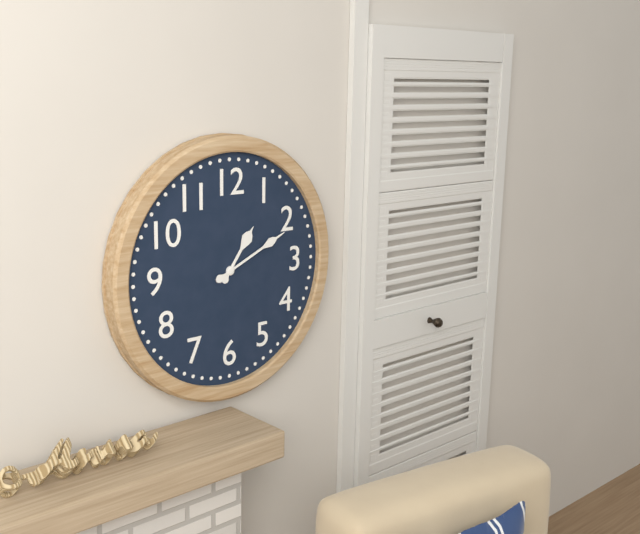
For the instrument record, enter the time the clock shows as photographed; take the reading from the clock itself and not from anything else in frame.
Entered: 1:11
